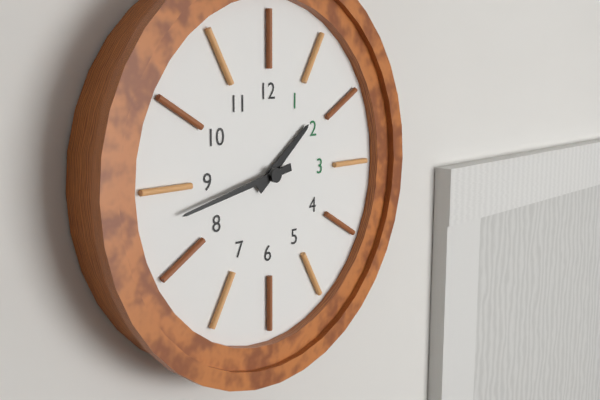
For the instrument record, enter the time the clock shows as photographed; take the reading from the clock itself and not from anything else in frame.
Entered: 1:43
